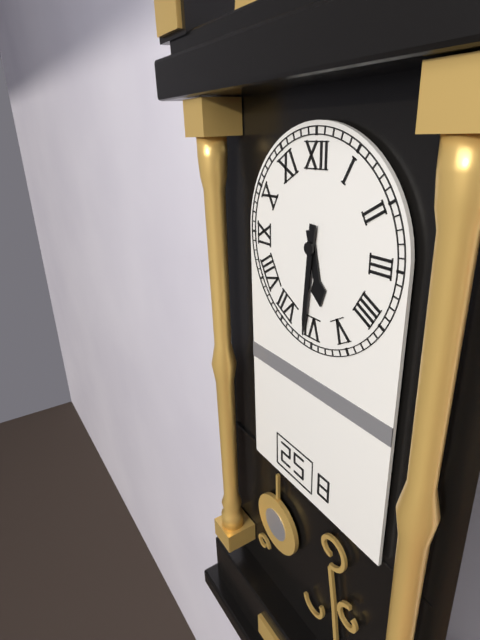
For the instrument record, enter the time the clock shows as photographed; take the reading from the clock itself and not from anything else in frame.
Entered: 5:31
